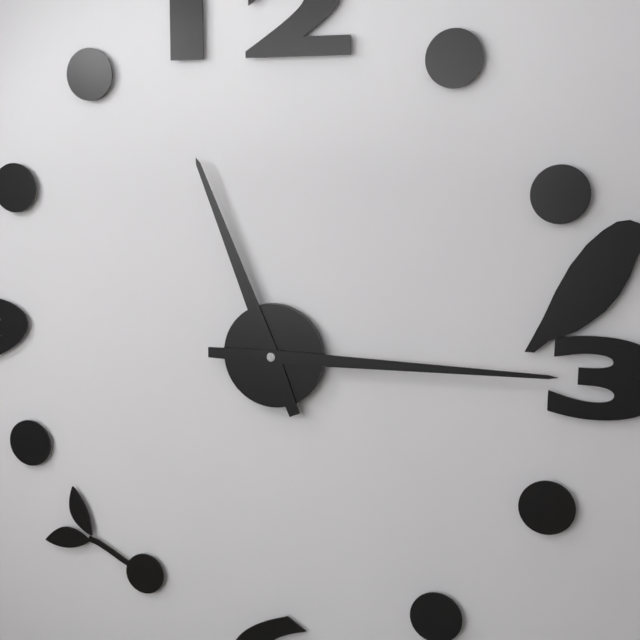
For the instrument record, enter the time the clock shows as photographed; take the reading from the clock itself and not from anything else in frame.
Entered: 11:15
